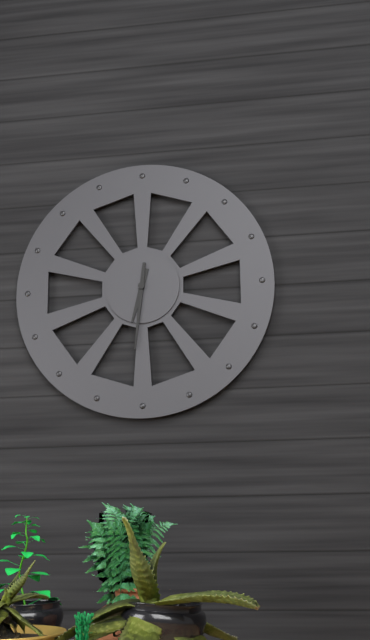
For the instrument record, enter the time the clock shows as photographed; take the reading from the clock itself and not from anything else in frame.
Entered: 6:31
